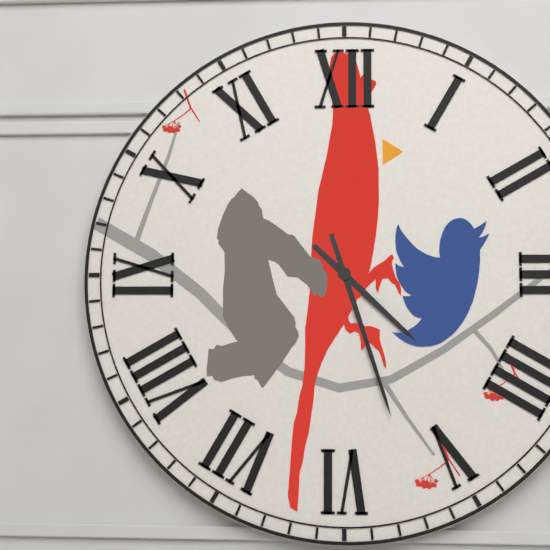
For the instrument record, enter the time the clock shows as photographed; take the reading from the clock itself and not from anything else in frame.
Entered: 4:27
